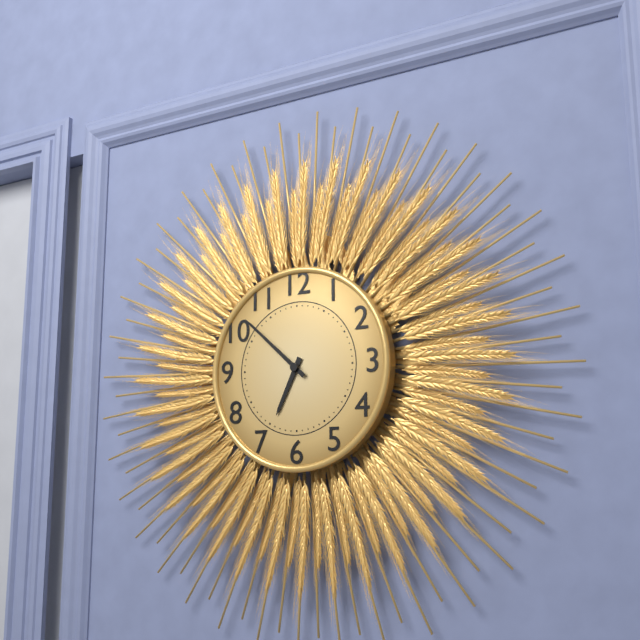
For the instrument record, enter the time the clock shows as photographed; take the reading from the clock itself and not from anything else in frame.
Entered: 6:52
